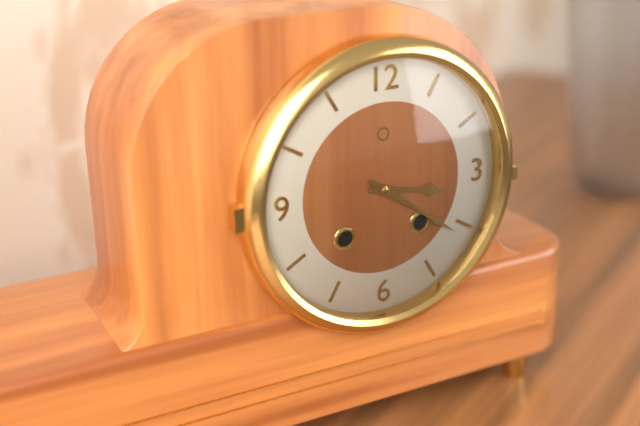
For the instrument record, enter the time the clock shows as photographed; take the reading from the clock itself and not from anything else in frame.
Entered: 3:21
